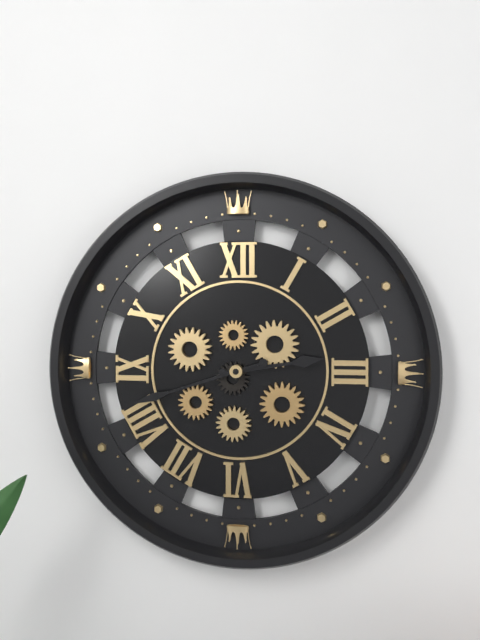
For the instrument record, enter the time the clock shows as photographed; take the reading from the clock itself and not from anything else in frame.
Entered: 2:42
